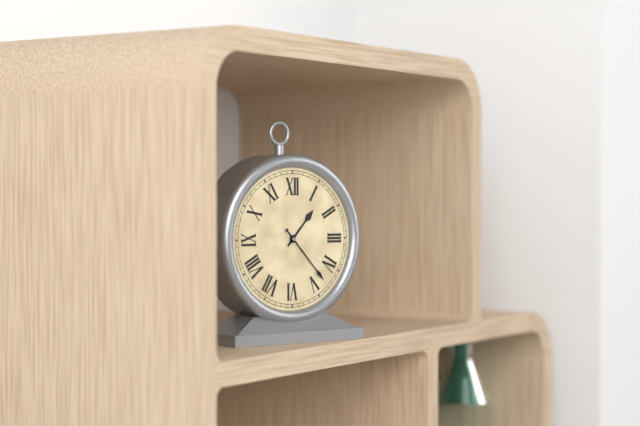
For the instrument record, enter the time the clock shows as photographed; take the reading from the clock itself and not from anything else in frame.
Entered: 1:23
